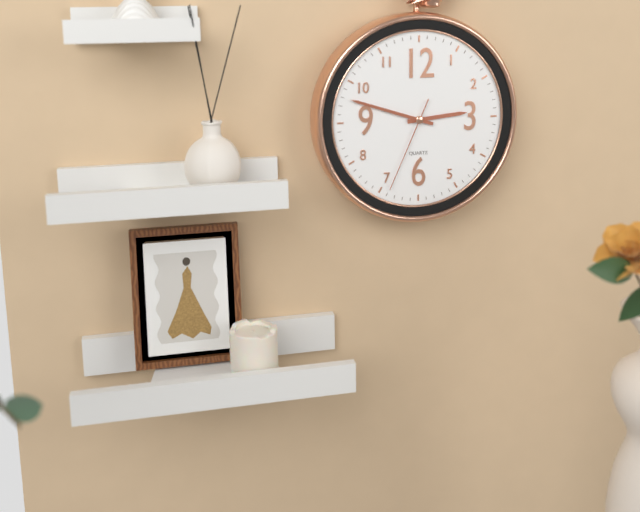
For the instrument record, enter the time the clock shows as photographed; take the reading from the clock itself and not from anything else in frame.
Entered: 2:48:34
